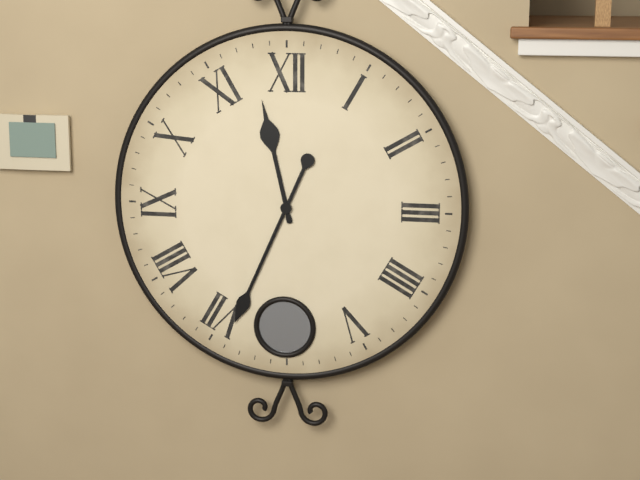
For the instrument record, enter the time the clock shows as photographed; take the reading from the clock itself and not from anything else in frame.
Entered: 11:34
